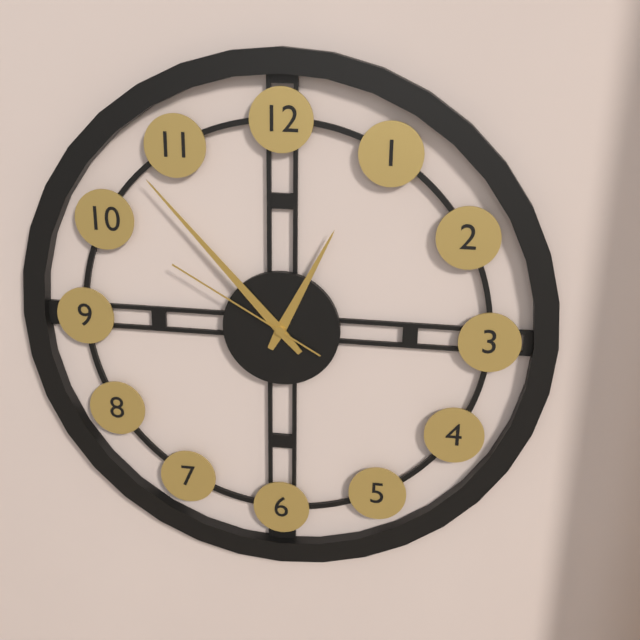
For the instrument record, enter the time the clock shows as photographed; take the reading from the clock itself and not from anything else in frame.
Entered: 12:53:50
